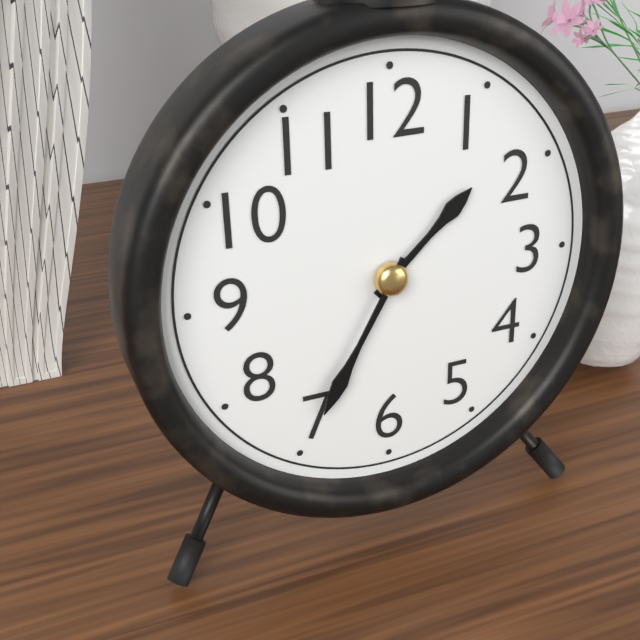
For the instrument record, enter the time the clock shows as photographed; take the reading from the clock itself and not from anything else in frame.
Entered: 1:35
